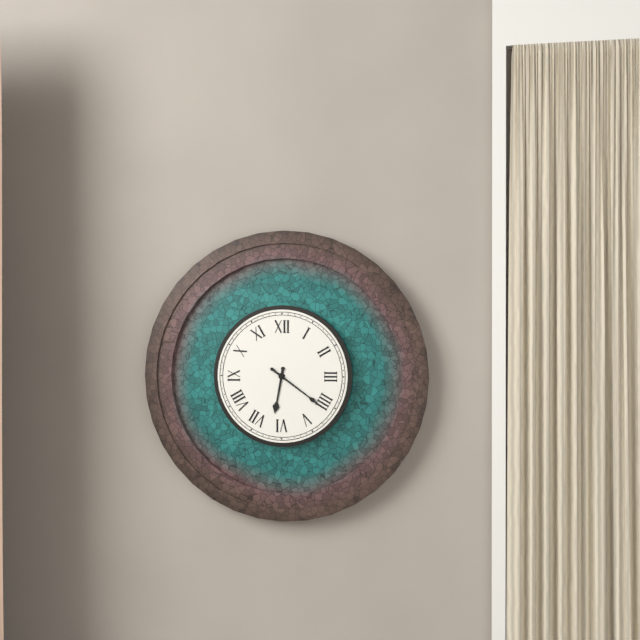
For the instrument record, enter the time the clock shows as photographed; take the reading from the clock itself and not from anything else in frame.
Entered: 6:21
